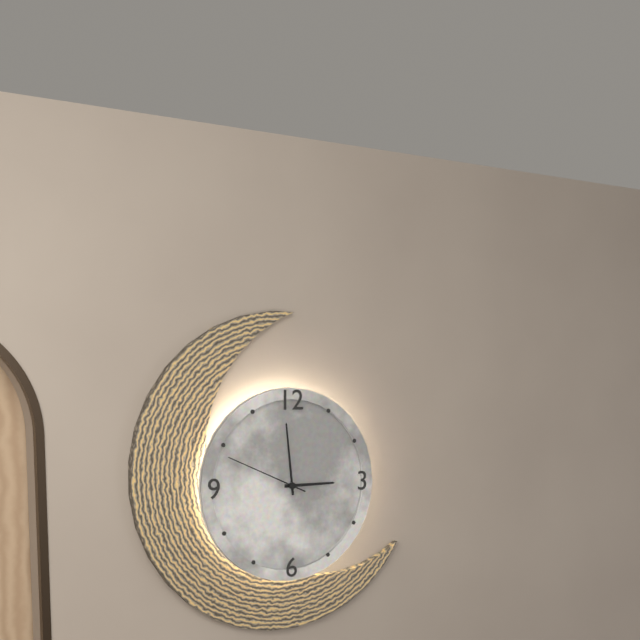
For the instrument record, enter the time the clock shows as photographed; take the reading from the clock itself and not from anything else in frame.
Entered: 2:59:49
